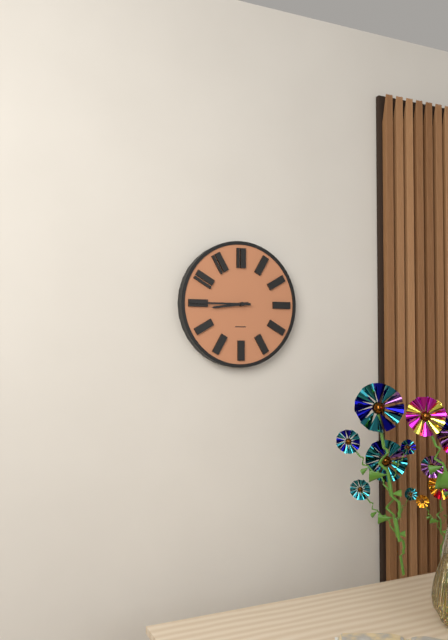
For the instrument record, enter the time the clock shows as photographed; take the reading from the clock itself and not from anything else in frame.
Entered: 8:45
